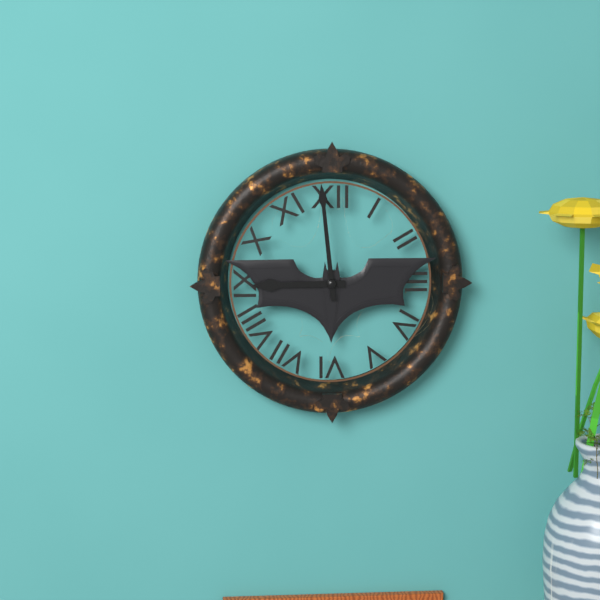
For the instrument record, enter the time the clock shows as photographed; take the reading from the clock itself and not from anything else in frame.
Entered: 8:59
